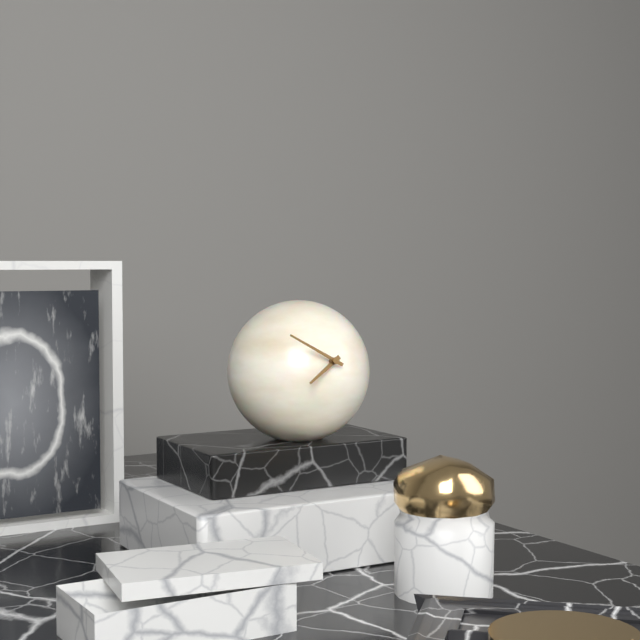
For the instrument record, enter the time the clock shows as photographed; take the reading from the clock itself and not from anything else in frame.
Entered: 7:50
